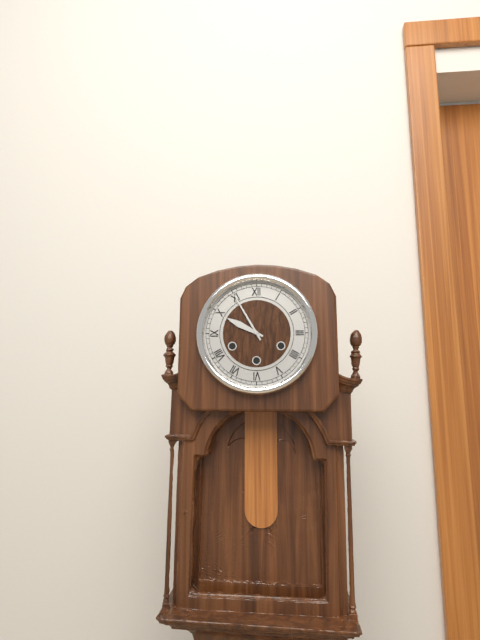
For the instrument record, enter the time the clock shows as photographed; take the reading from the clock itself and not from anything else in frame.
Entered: 9:55
